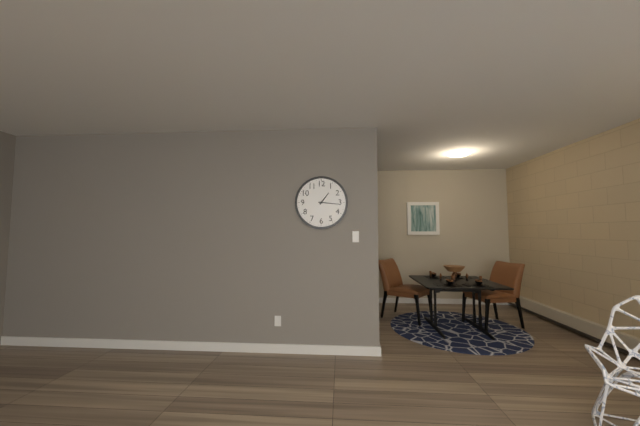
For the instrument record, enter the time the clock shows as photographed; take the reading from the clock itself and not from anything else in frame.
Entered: 1:16
